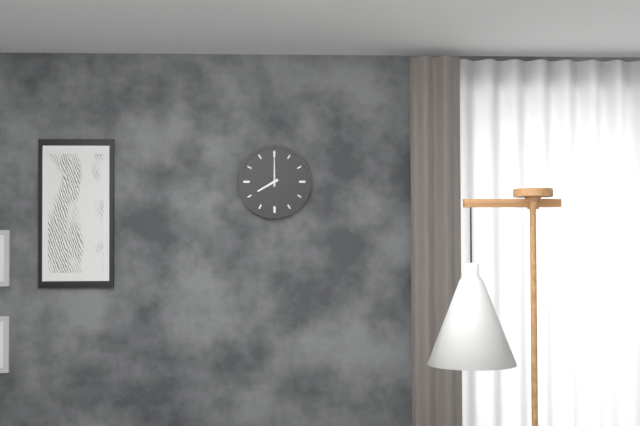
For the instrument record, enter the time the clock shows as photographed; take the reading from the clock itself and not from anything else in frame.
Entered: 8:00
